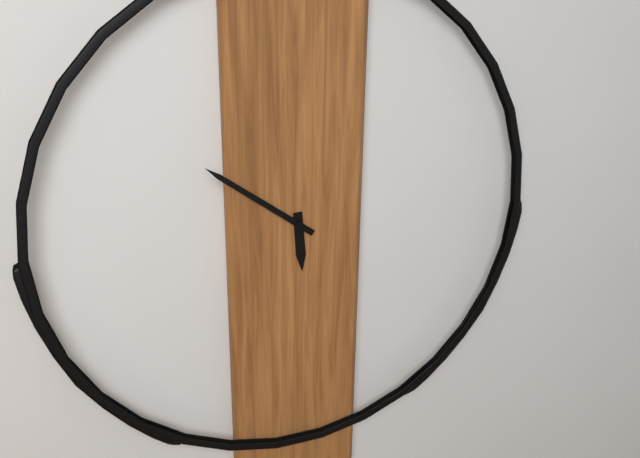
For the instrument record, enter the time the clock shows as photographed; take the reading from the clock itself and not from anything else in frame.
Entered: 5:51
